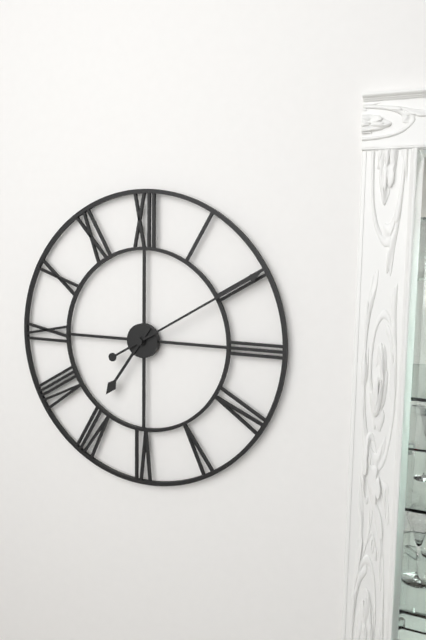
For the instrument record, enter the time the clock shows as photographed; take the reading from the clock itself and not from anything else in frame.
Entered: 7:10
